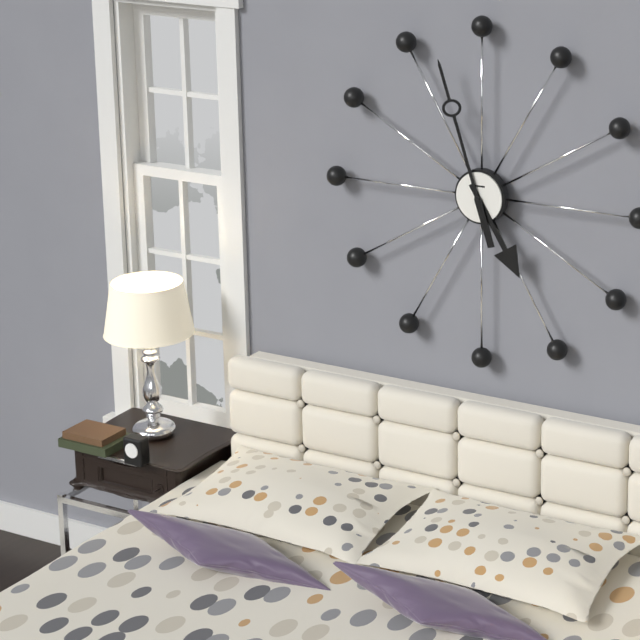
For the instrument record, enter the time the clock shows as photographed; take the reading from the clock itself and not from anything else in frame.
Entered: 4:57
